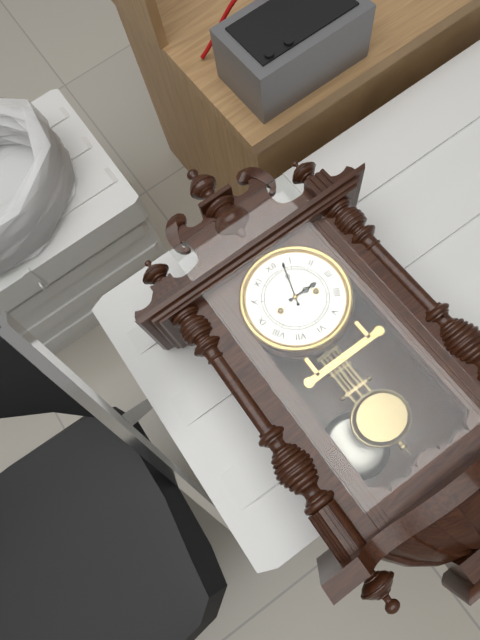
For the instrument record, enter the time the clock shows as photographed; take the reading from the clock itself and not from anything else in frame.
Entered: 3:03
